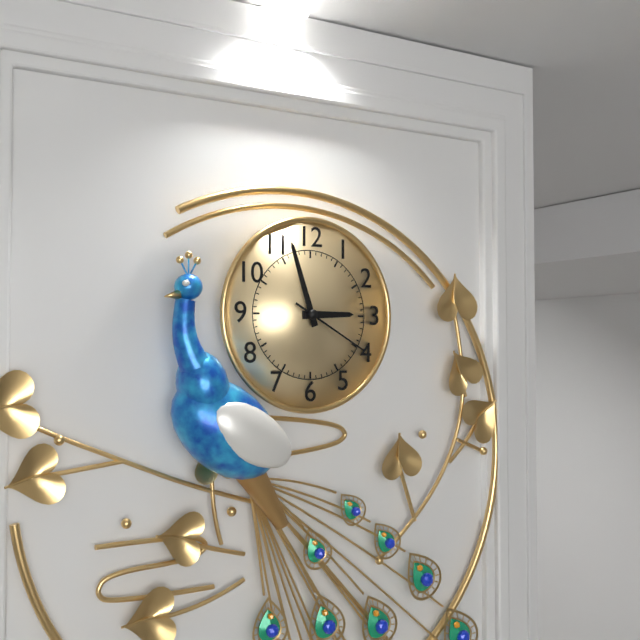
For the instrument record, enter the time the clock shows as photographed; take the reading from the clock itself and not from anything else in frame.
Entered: 2:57:20
